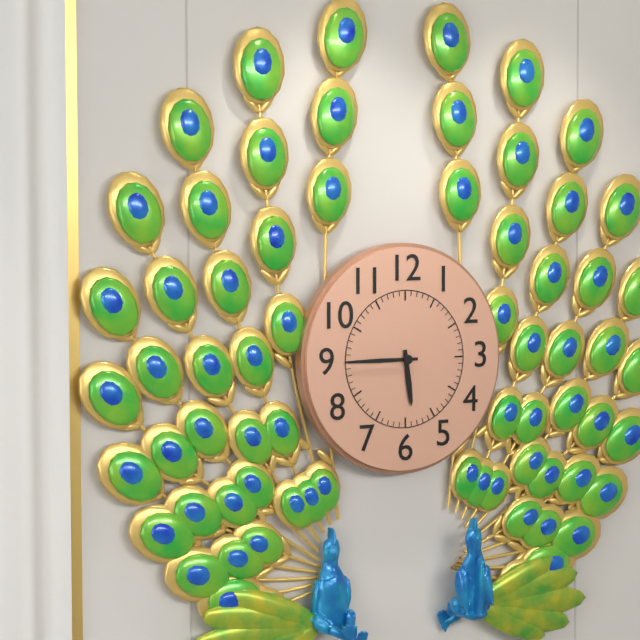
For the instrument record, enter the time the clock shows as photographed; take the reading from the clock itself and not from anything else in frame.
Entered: 5:45
